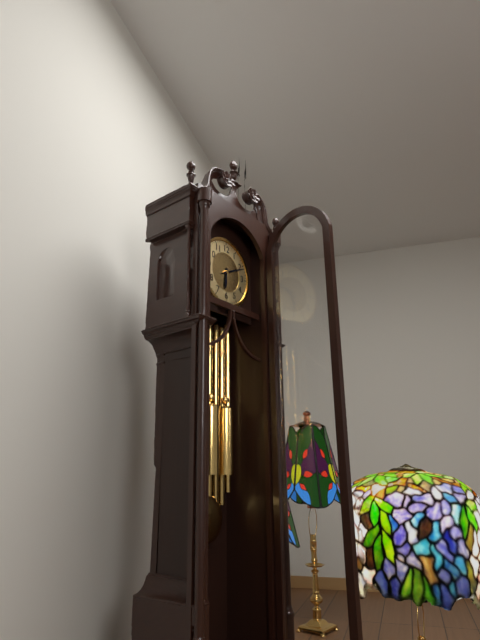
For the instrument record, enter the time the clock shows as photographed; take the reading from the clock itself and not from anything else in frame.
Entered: 6:11
